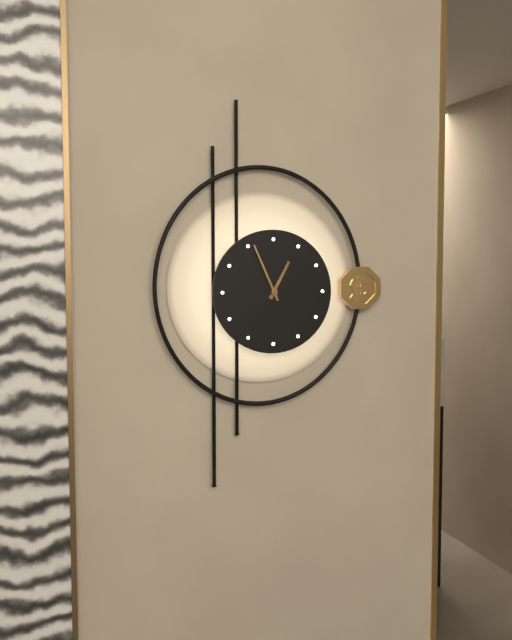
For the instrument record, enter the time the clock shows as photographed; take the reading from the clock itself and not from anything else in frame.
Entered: 12:56
